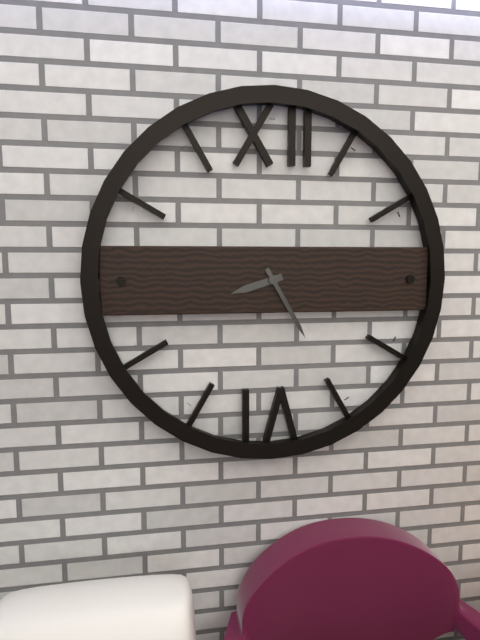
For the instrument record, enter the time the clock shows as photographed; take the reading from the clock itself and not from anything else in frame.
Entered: 8:25
